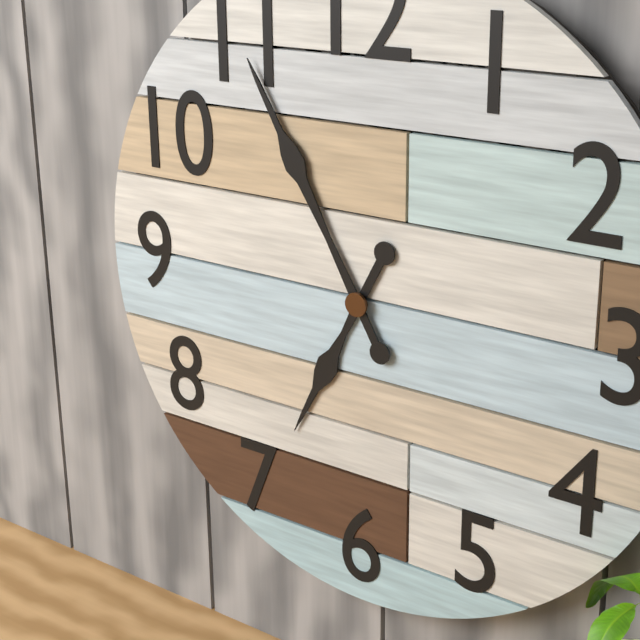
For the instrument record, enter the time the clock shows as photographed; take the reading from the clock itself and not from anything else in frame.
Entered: 6:55
